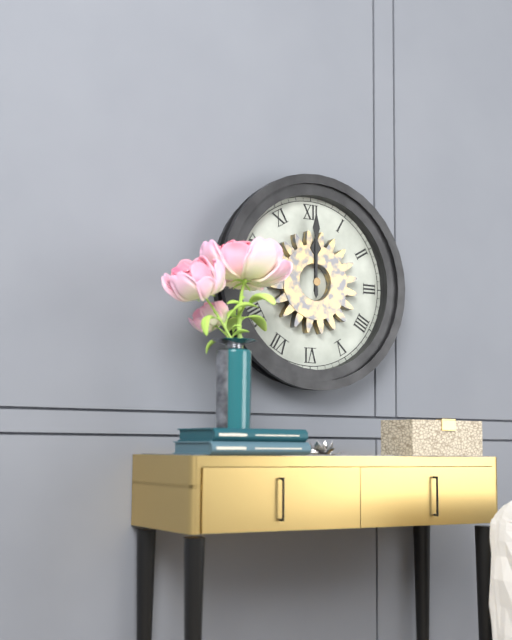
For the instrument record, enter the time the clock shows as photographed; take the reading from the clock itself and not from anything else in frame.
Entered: 12:00
